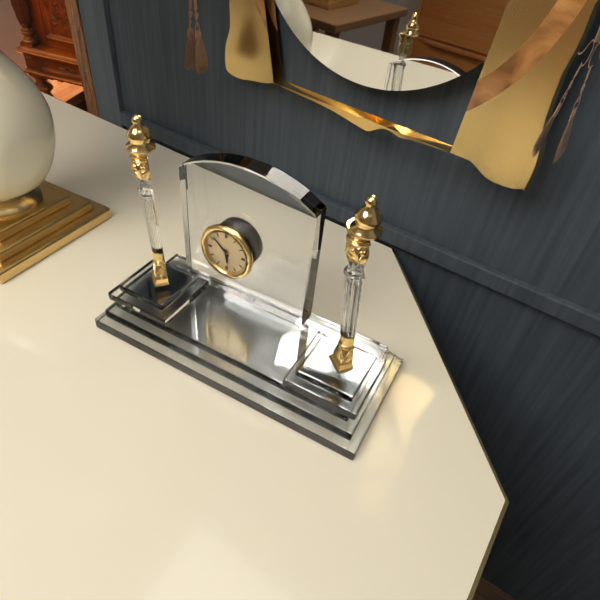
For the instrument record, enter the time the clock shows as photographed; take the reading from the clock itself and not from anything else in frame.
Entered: 5:52
